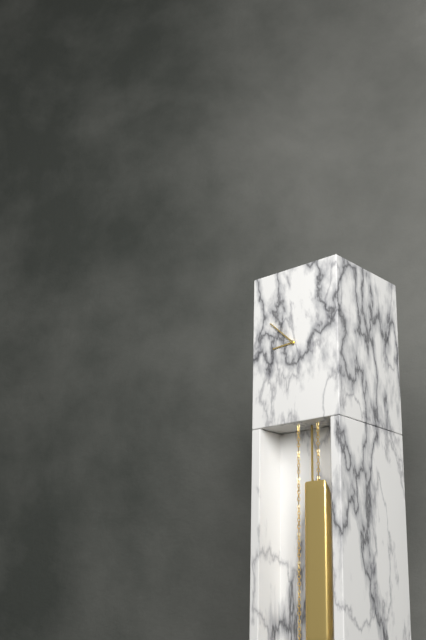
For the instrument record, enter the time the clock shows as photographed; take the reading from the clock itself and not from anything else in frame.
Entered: 8:52
